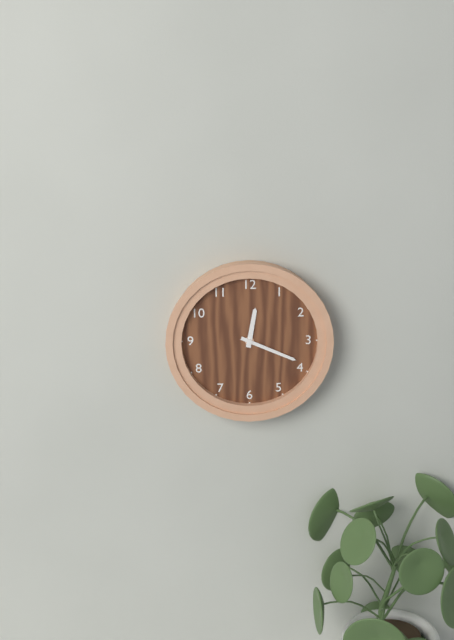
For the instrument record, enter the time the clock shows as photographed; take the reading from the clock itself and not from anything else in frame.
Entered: 12:19
